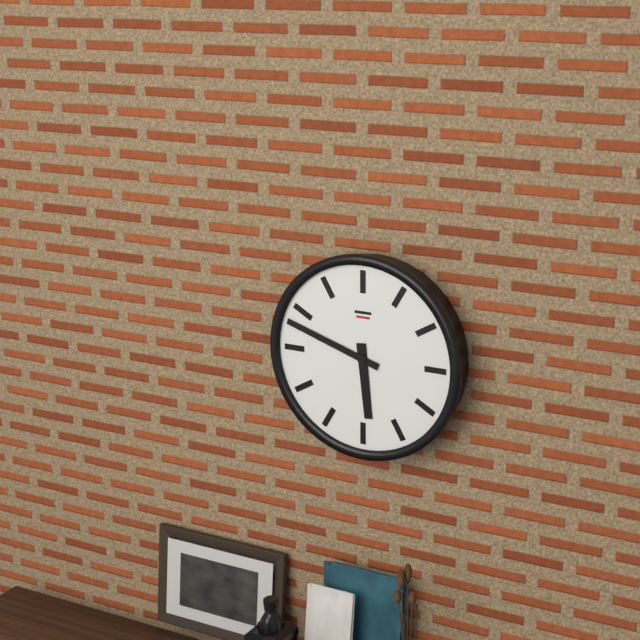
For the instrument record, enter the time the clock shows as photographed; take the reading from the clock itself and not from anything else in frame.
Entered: 5:48
